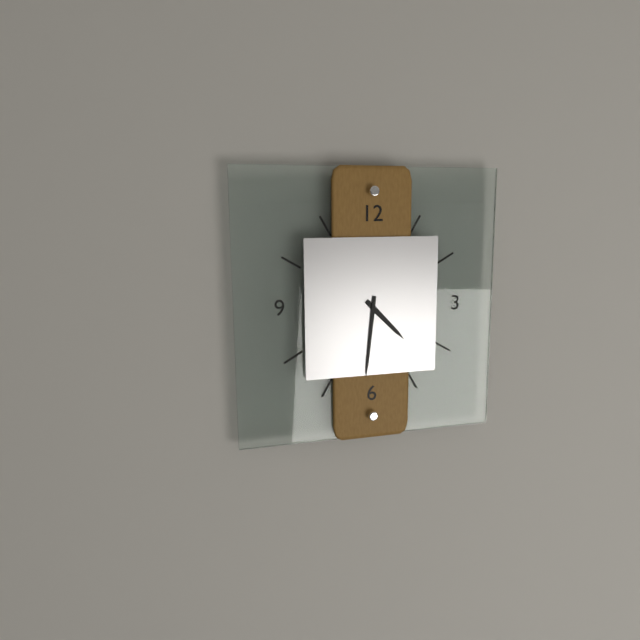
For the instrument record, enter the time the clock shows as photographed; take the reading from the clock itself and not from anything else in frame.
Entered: 4:31
